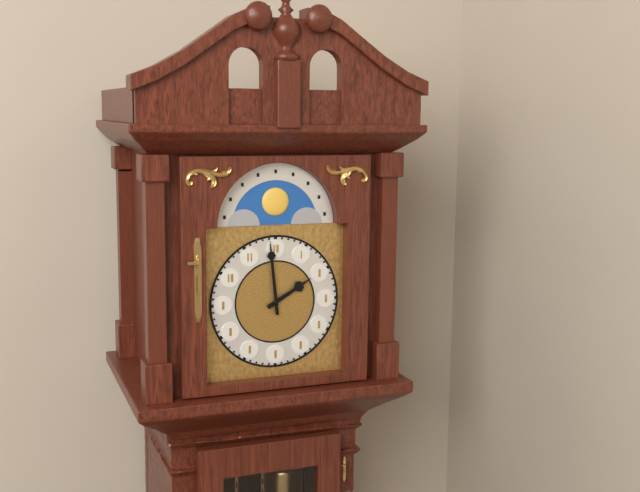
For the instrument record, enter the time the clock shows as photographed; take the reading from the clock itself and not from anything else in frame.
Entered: 1:59
